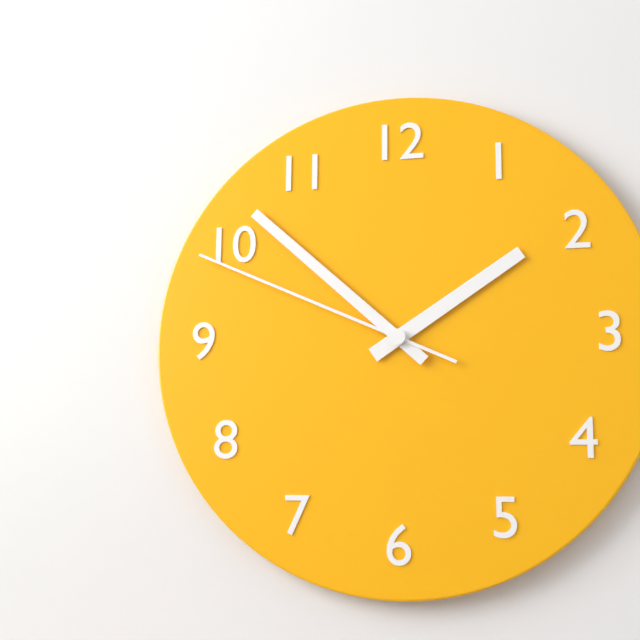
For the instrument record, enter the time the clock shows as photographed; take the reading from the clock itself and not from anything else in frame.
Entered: 1:52:49
